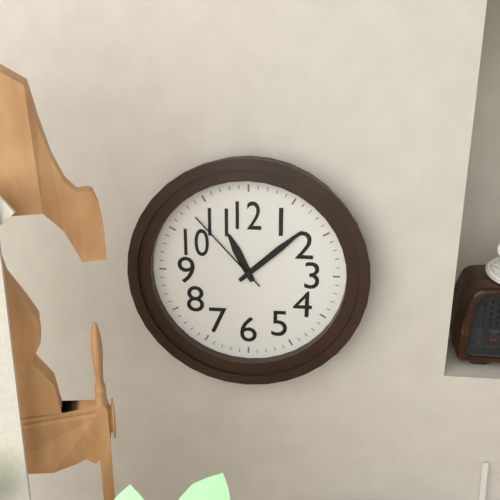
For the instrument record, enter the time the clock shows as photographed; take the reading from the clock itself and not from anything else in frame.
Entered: 11:08:53
